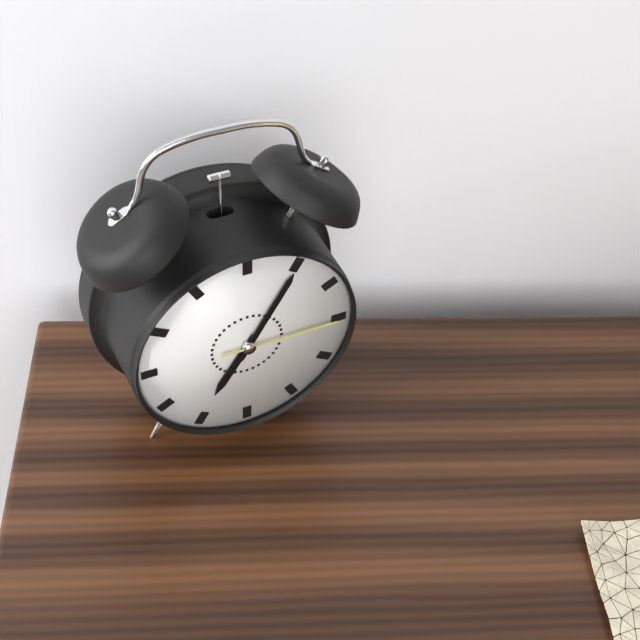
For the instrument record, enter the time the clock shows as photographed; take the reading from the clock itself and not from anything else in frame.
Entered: 7:05:15
